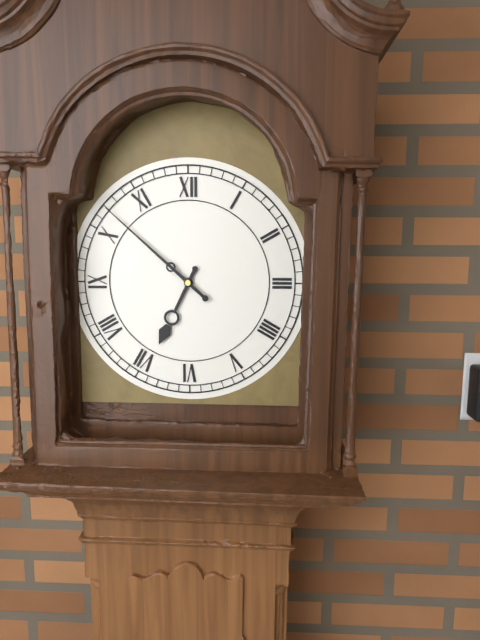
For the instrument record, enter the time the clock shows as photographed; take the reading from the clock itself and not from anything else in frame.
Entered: 6:52
